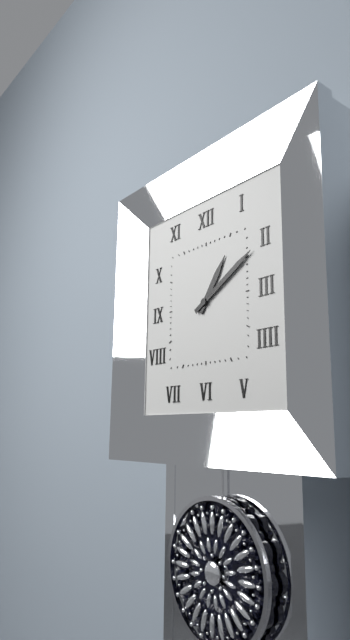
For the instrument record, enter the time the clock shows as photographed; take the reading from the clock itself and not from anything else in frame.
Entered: 1:10
